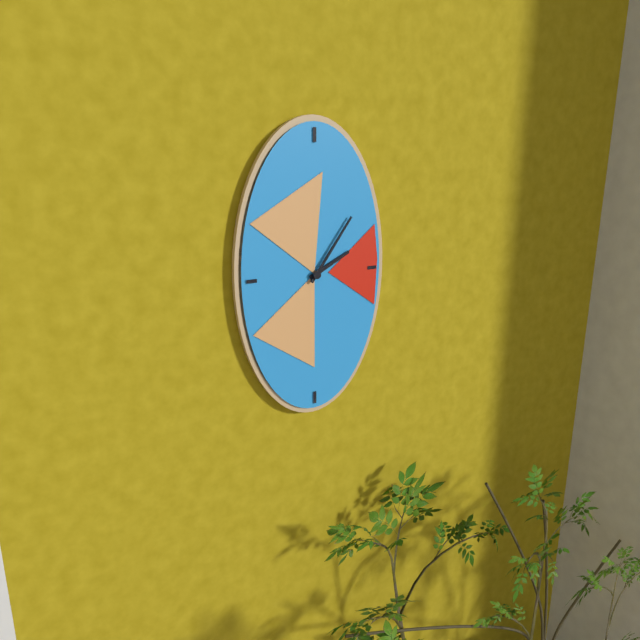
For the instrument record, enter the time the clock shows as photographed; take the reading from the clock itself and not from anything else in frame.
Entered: 2:06
